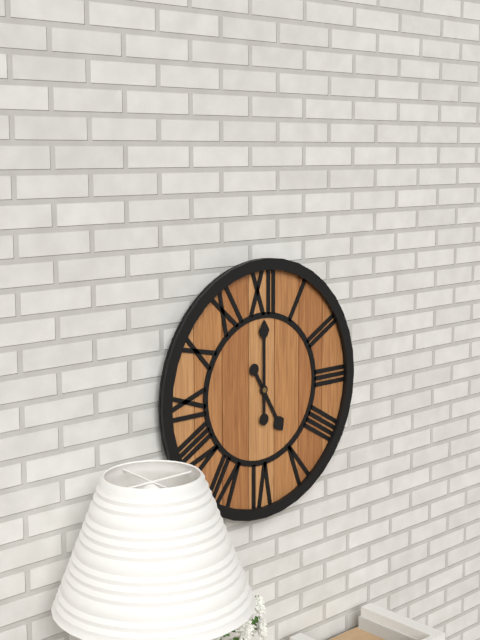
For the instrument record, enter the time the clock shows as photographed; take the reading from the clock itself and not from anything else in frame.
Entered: 5:00
